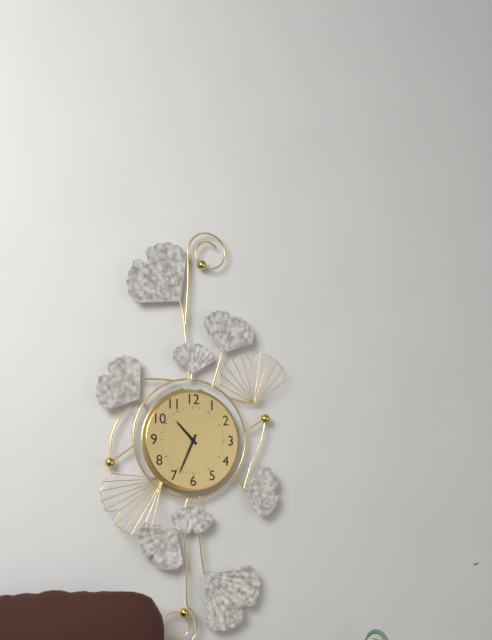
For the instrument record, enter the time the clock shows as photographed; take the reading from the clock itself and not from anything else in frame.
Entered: 10:34
